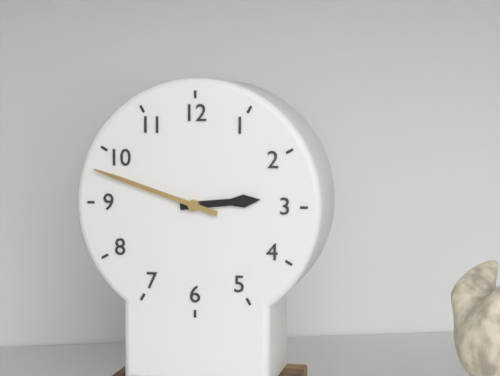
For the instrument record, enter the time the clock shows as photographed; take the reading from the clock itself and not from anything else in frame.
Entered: 2:48
